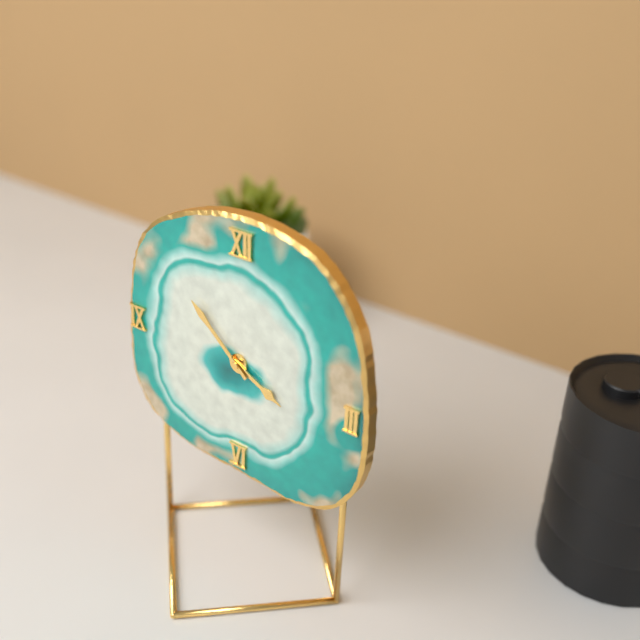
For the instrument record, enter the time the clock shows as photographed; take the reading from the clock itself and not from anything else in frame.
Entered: 3:52
